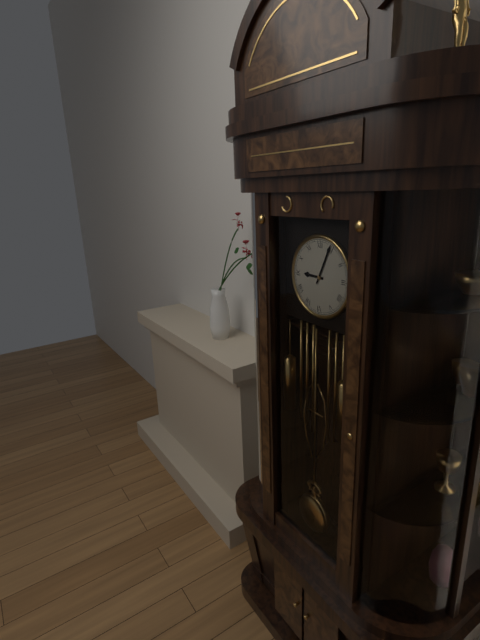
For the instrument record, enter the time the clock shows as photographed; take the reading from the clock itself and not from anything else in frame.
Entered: 9:04
